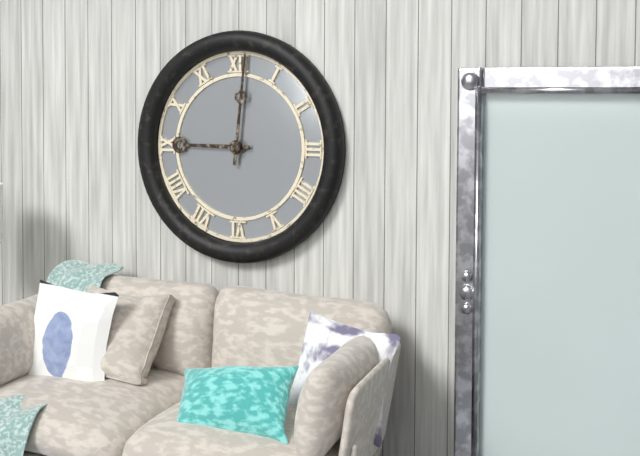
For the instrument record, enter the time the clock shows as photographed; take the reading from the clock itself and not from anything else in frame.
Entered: 9:01
